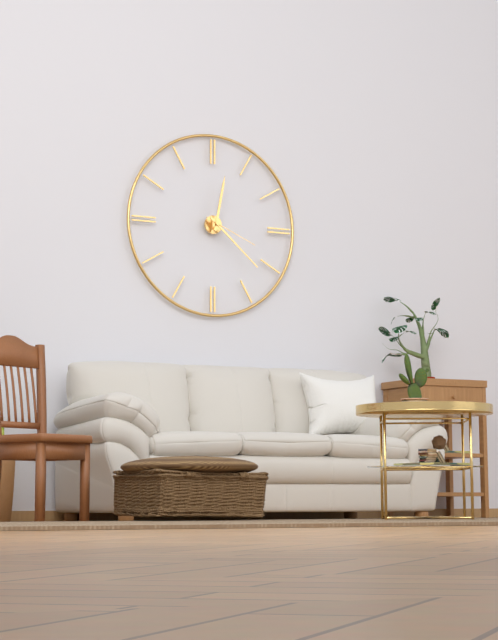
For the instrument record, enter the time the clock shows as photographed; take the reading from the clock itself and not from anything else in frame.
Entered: 12:22:19
